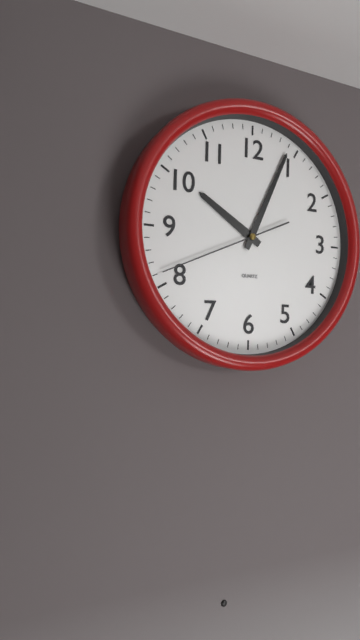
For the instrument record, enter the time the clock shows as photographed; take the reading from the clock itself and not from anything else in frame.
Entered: 10:04:41
